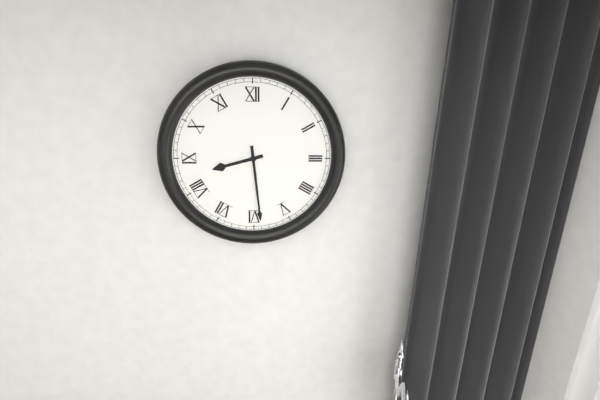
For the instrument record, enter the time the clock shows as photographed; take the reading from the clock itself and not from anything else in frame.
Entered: 8:29
